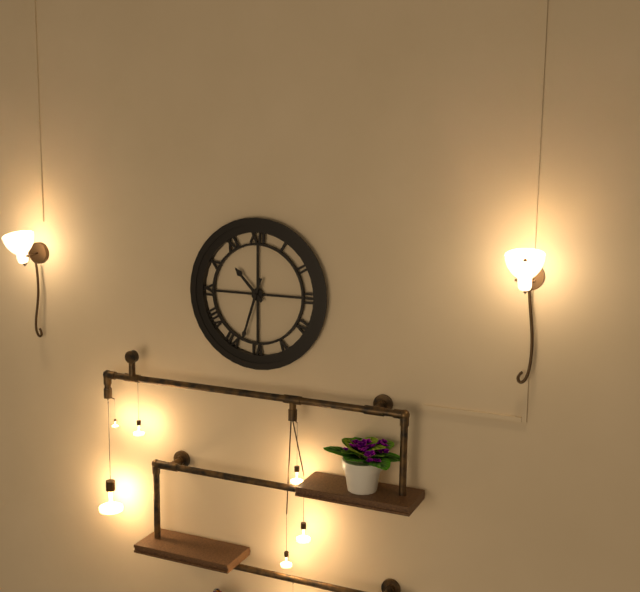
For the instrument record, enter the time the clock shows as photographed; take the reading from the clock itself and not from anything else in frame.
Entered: 10:33
